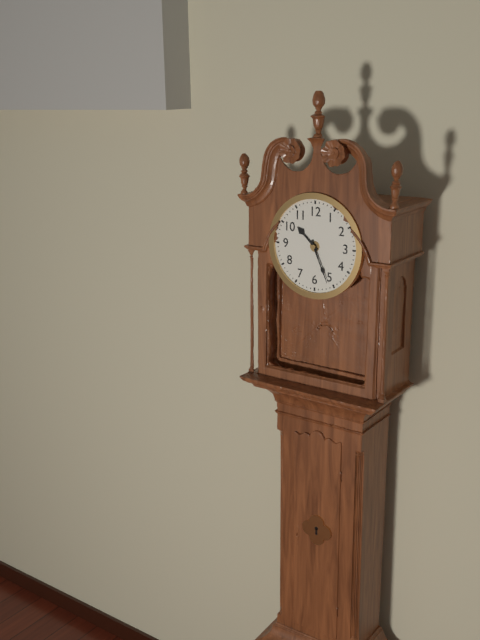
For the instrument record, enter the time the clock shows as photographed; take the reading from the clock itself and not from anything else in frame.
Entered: 10:26
